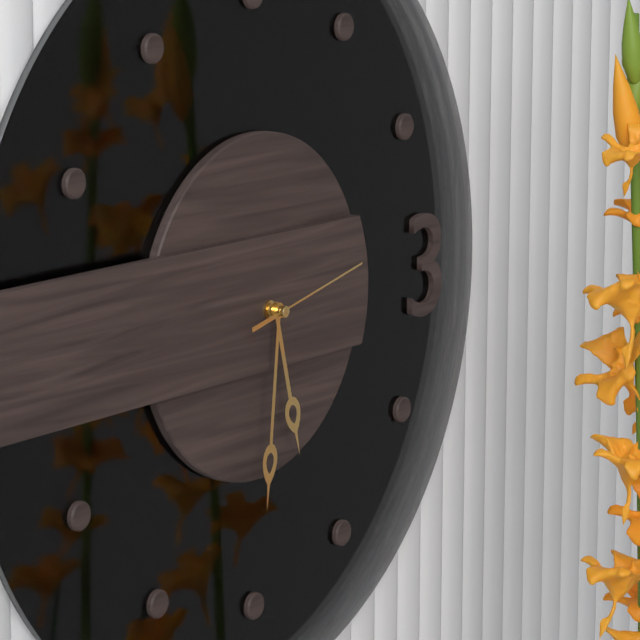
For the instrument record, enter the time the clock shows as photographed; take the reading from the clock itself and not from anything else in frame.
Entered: 5:31:13
